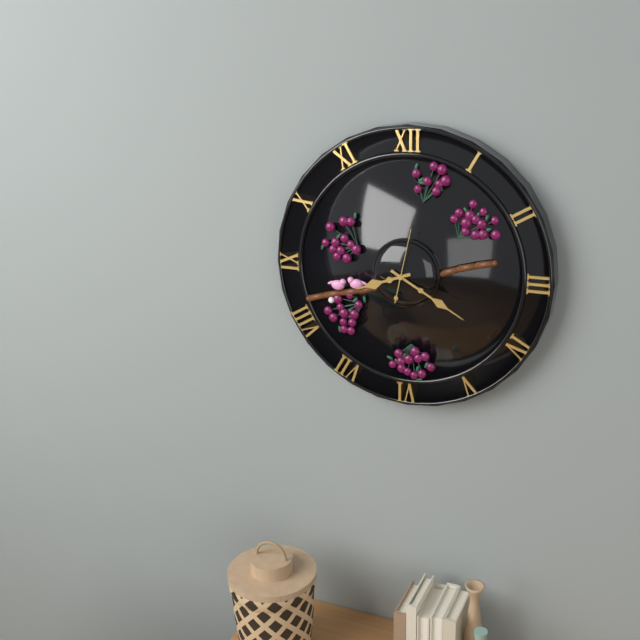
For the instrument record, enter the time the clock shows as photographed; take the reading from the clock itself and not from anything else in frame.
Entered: 8:20:02
